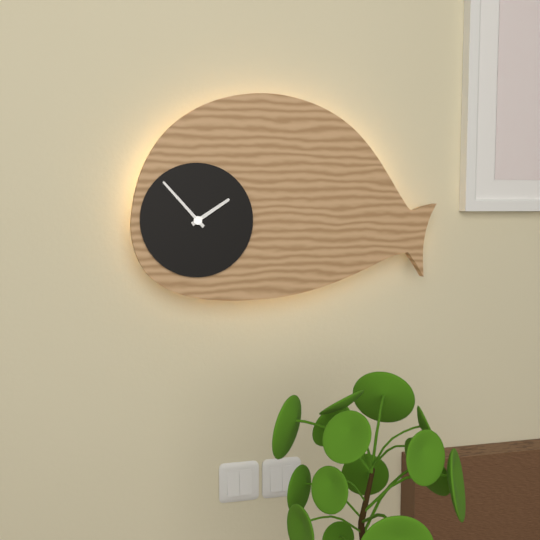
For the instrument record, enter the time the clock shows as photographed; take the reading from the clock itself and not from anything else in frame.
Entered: 1:53
